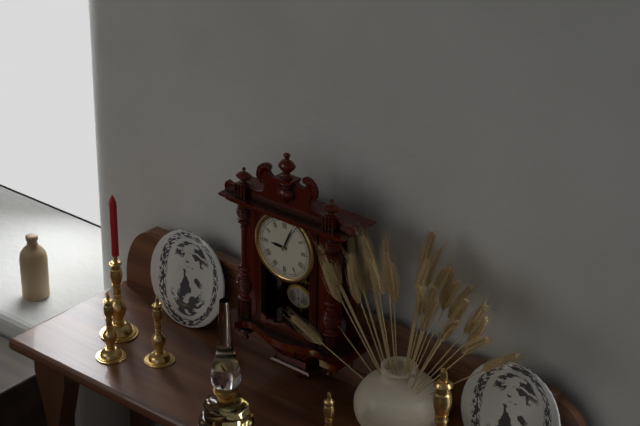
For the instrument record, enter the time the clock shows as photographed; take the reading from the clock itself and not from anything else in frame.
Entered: 9:04
